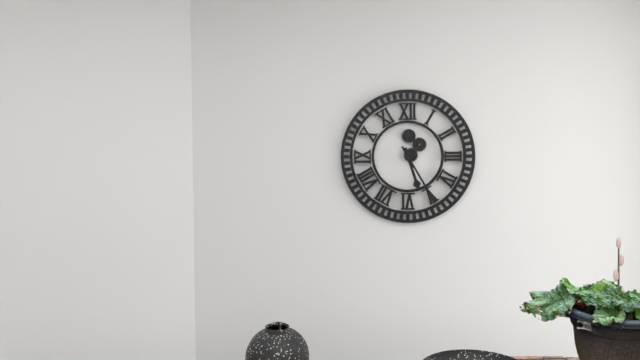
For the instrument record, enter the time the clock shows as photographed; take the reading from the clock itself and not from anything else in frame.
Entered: 5:25
